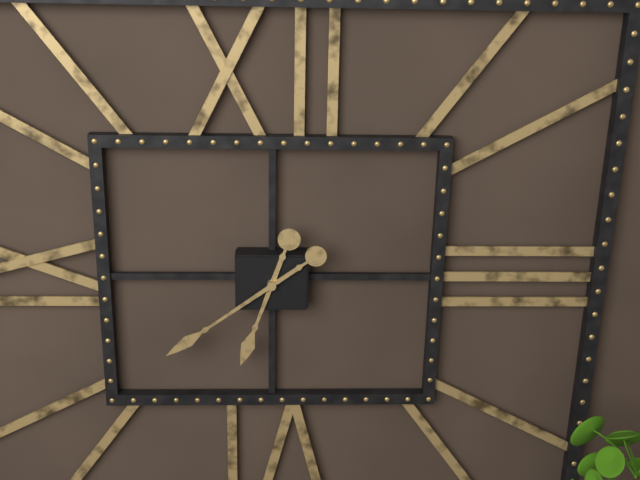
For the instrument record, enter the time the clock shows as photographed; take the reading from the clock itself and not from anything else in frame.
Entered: 6:39
